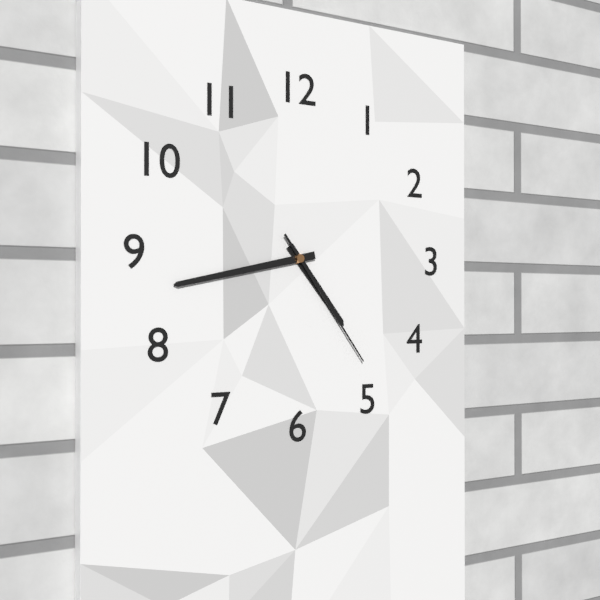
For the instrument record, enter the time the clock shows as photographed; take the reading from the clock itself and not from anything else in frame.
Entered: 4:43:24
